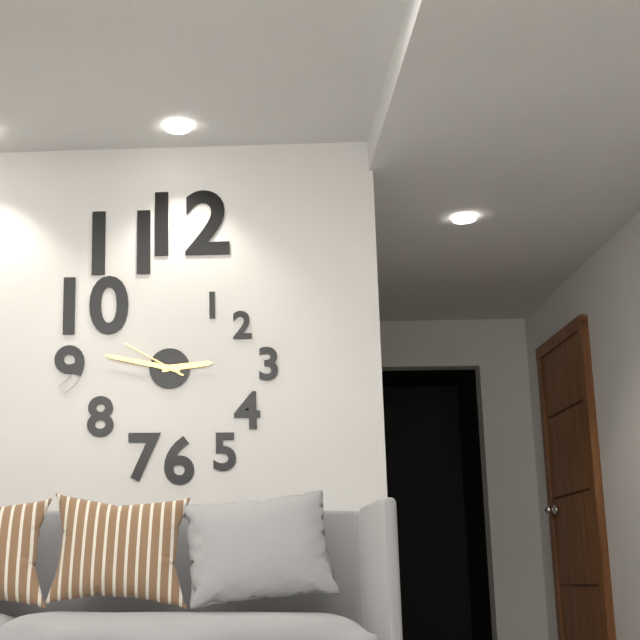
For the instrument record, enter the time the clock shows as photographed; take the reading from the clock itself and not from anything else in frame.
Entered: 2:47:50
